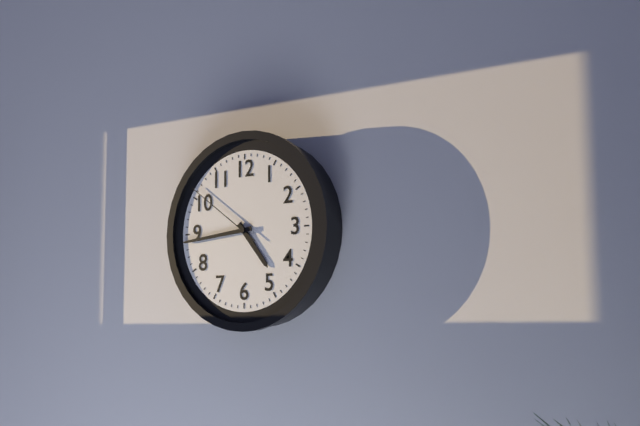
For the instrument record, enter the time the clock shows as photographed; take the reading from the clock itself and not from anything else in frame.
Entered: 4:44:51
